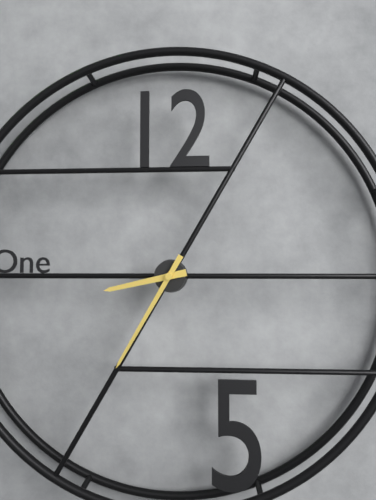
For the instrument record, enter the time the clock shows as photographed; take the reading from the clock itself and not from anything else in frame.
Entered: 8:35
